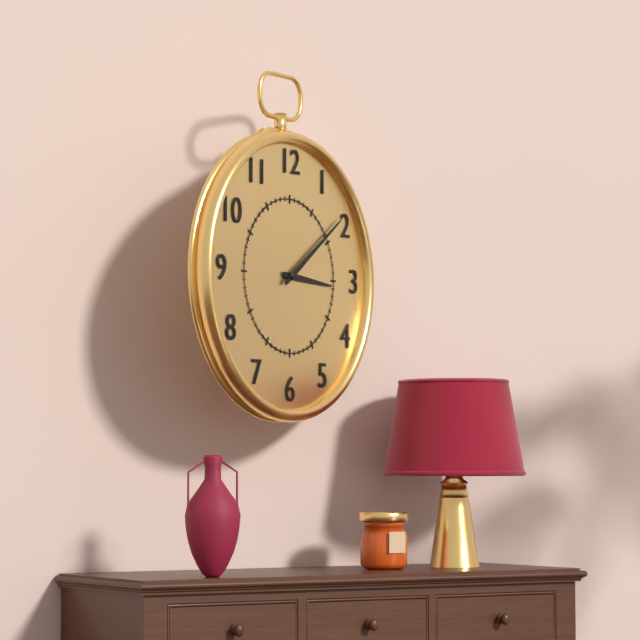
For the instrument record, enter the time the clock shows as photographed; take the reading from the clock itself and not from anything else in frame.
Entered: 3:09
